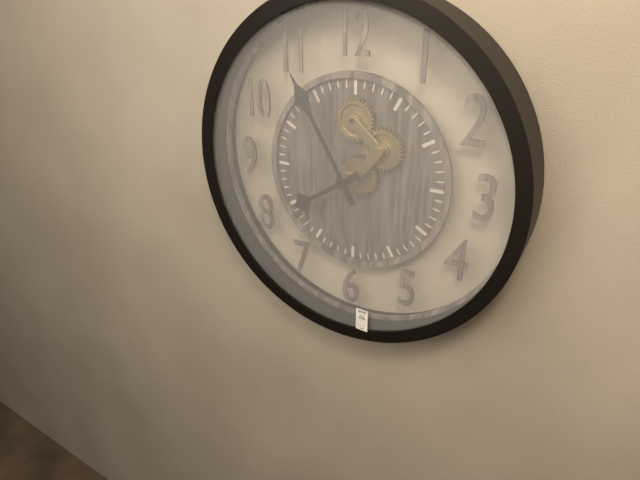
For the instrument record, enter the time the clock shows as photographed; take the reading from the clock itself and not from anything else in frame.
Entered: 7:55
